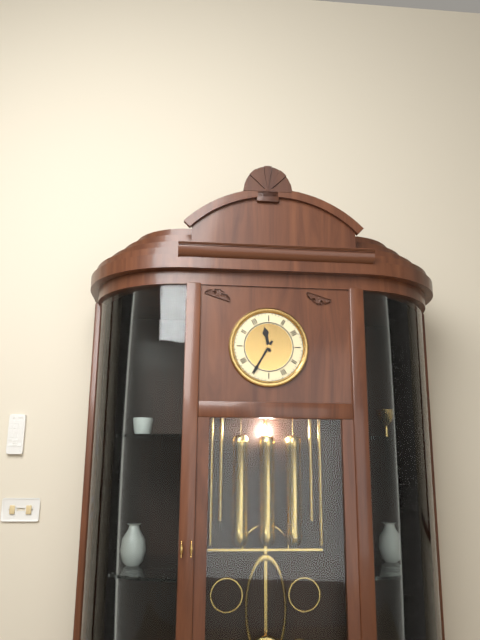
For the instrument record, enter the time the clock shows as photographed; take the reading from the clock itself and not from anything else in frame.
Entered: 11:35
